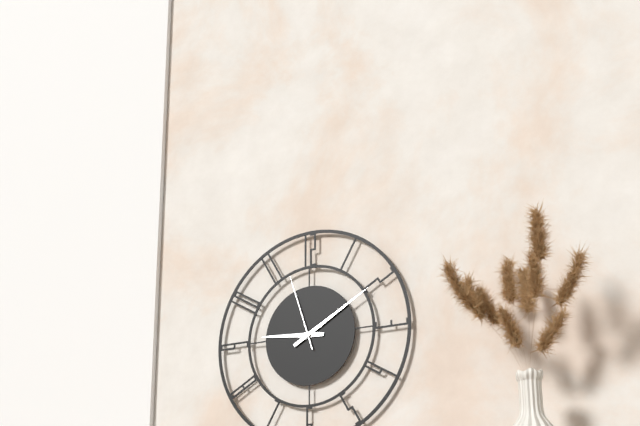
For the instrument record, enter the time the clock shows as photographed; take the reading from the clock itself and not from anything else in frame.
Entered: 9:10:57
